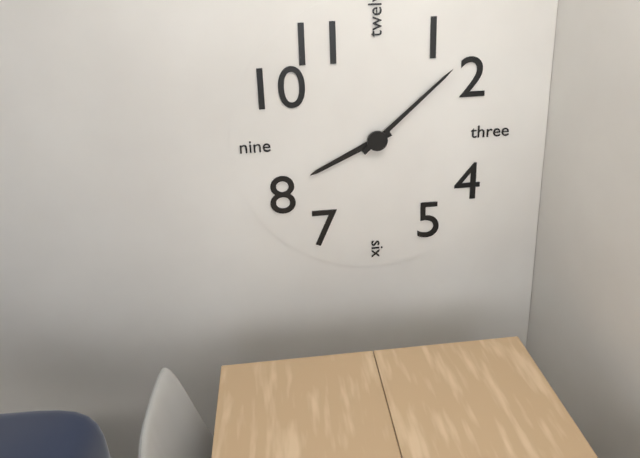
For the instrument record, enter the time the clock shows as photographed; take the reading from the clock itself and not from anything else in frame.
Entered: 8:08
